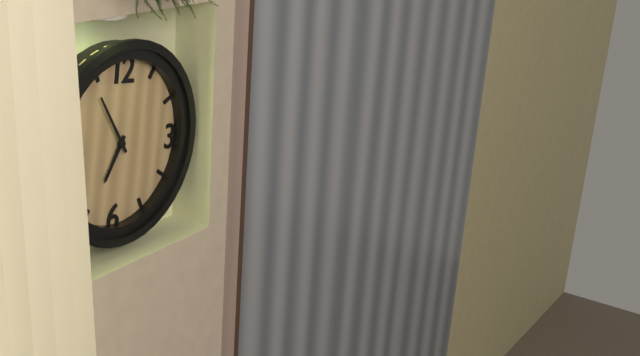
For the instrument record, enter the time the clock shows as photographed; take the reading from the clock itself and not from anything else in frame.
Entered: 6:54
